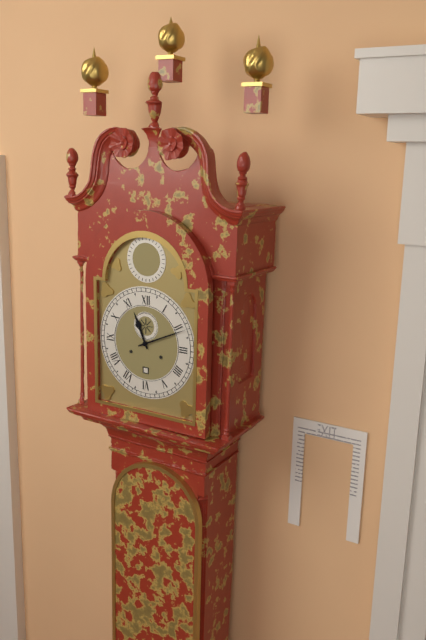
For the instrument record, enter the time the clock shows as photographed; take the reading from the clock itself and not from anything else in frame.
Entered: 11:11
